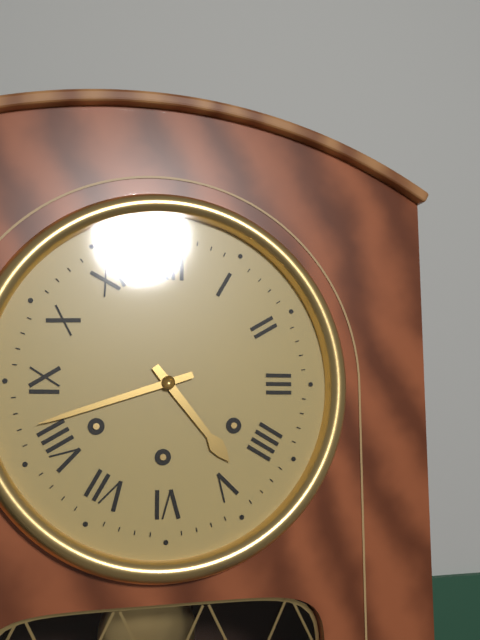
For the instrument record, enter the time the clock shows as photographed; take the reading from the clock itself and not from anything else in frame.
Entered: 4:42
